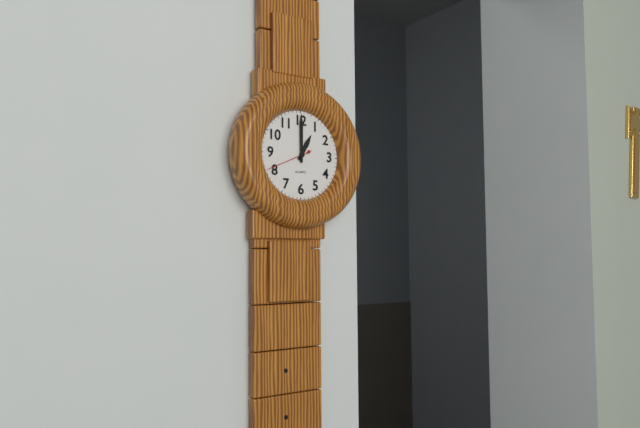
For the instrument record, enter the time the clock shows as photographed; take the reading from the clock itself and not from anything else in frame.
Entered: 1:00
